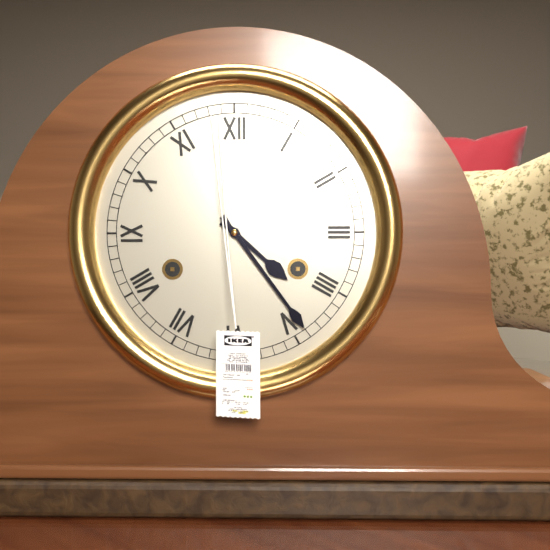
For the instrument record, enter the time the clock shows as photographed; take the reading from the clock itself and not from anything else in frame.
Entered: 4:24
